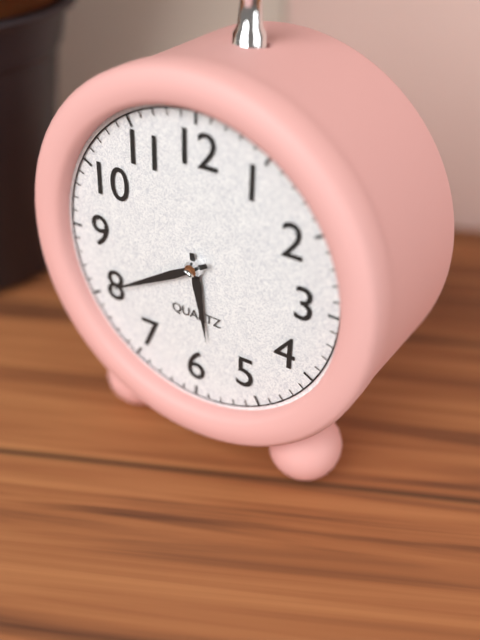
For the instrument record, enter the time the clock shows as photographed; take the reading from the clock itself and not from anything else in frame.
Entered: 5:40
